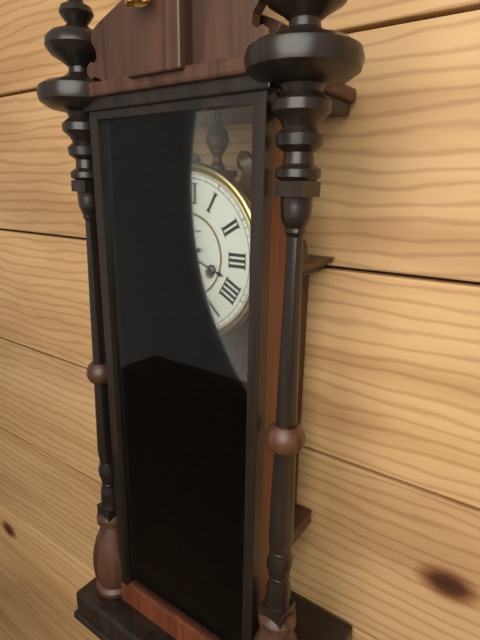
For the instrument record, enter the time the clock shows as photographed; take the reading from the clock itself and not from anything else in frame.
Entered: 3:41
